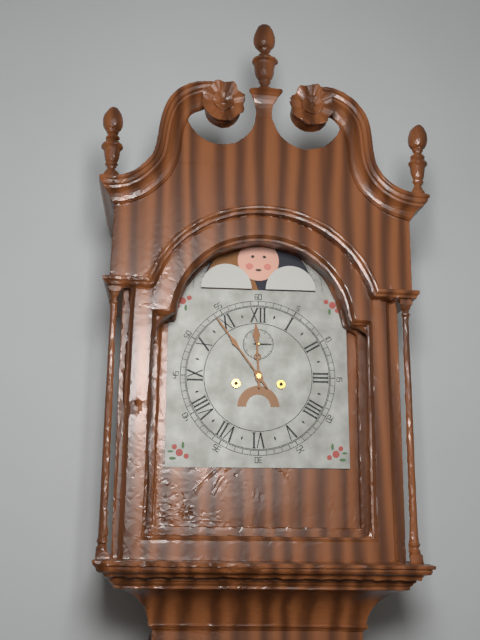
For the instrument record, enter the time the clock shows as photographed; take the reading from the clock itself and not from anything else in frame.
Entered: 11:54
